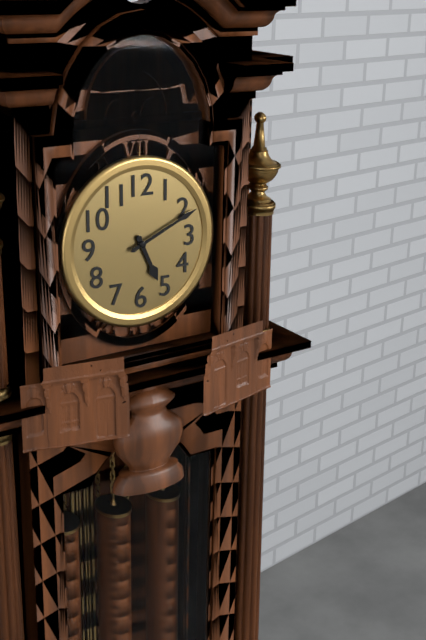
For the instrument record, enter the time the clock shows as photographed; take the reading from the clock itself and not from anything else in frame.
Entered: 5:11
